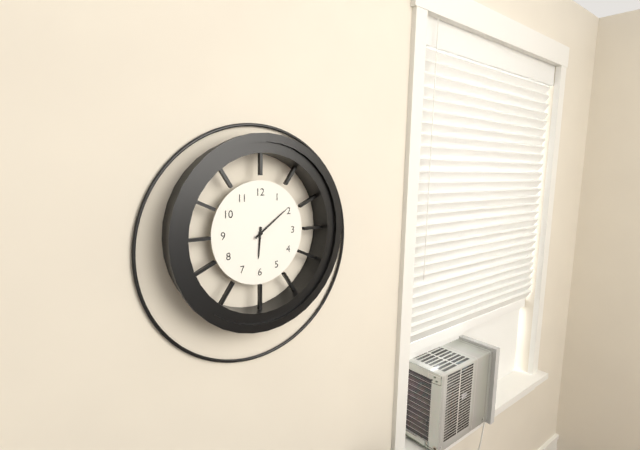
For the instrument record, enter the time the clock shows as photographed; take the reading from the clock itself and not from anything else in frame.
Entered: 6:09
